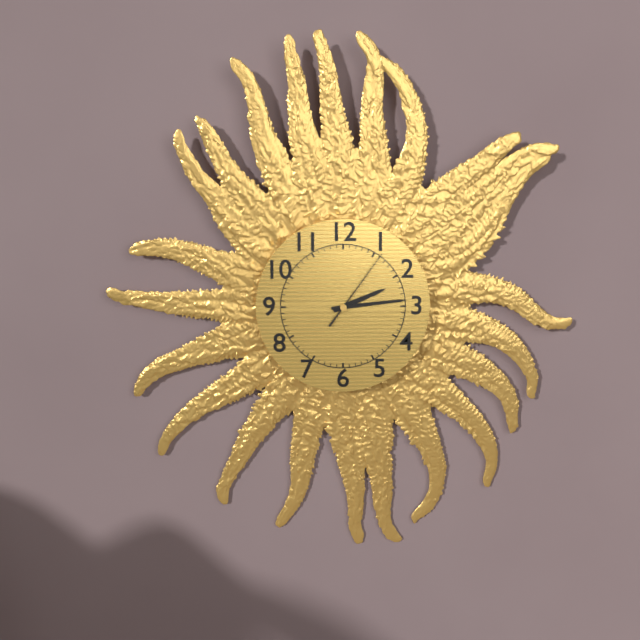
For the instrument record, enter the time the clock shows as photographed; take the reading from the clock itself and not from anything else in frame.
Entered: 2:14:06
